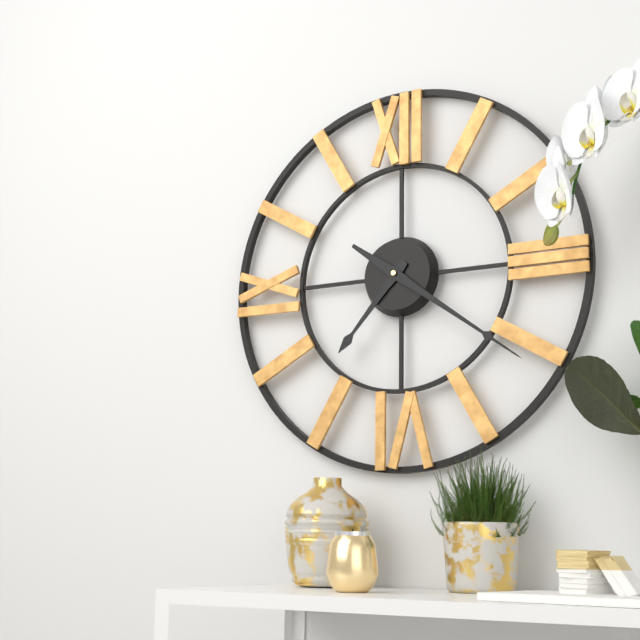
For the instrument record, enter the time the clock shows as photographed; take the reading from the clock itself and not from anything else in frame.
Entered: 7:21
